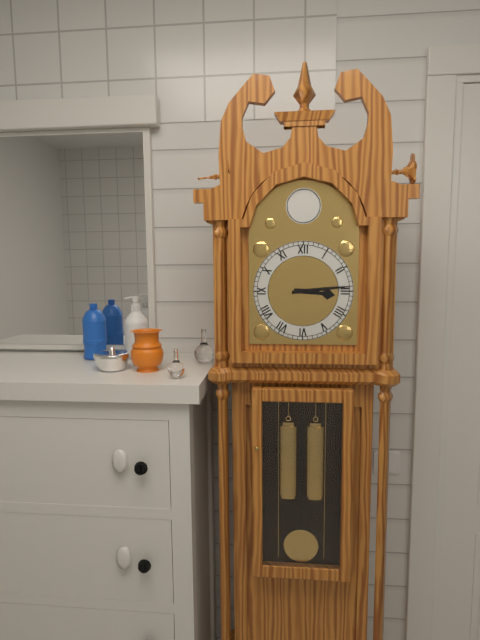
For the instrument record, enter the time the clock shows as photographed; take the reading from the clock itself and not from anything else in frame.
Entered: 3:14
